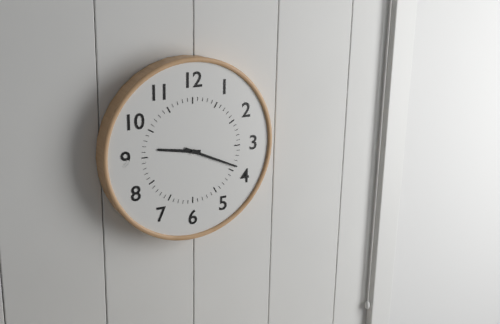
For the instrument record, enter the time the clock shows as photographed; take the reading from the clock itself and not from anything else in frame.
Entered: 9:19
